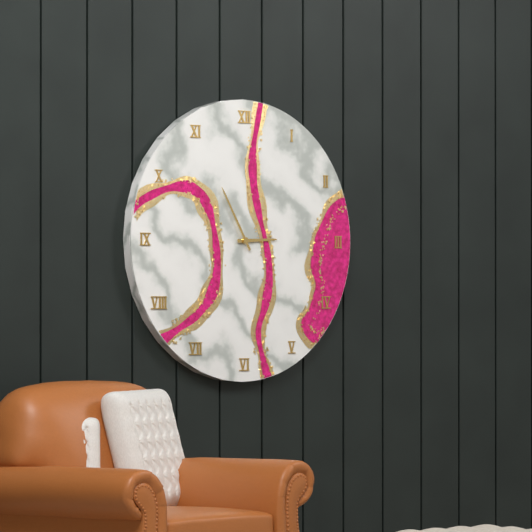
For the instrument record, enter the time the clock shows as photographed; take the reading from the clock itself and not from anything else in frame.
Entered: 2:55
